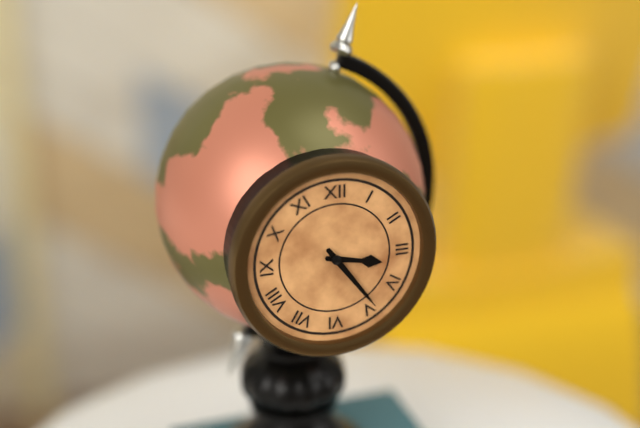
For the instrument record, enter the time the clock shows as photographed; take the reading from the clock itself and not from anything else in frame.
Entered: 3:24
